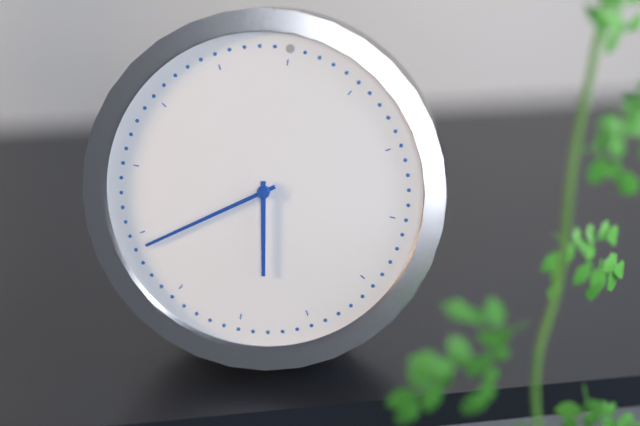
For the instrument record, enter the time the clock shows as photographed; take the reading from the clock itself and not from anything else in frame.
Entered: 5:39
